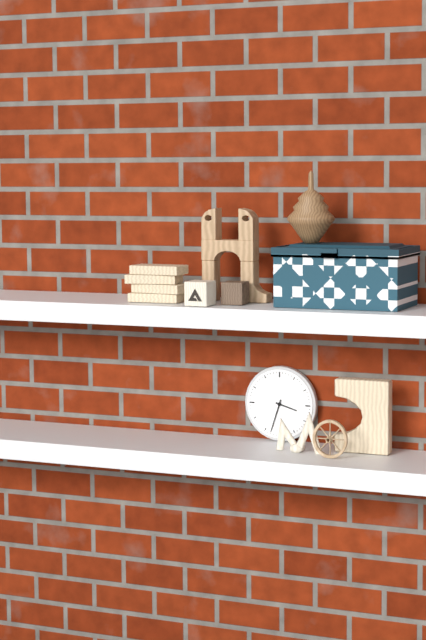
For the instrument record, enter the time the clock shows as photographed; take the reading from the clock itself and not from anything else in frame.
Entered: 3:33
